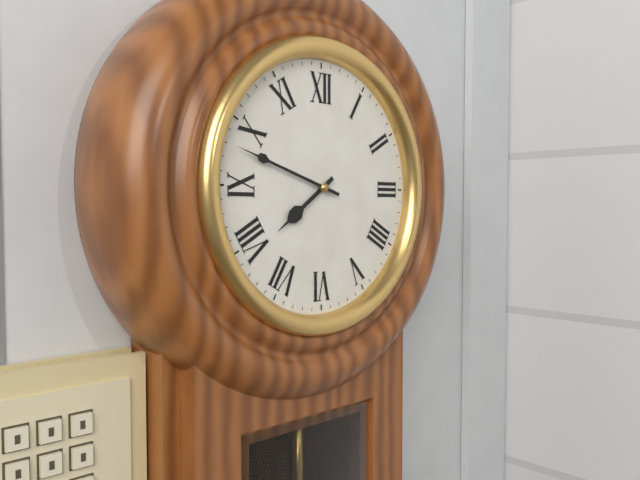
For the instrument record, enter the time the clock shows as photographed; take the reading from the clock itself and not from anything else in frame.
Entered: 7:48
